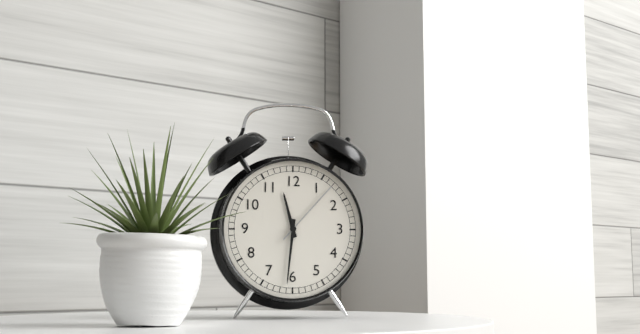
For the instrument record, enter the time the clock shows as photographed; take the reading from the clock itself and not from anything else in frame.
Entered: 11:31:07
